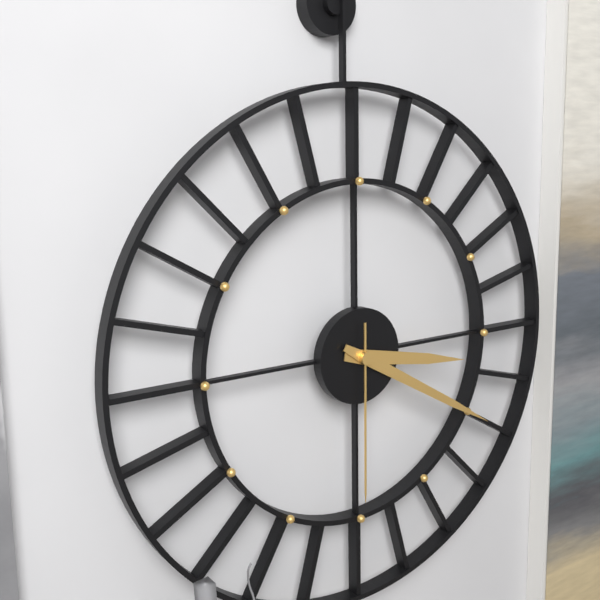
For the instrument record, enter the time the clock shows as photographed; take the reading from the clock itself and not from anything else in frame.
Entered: 3:20:30
